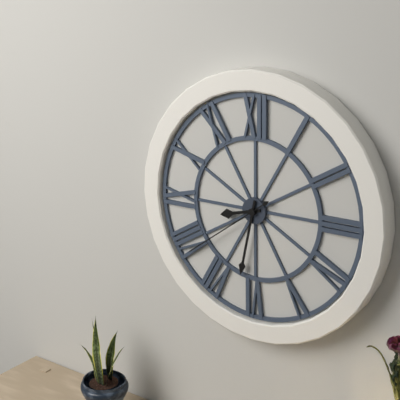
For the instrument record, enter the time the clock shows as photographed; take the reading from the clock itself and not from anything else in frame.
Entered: 8:32:39
